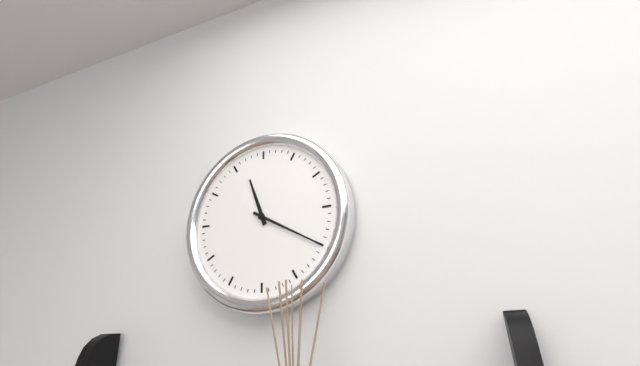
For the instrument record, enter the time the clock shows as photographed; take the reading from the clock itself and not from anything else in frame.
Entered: 11:20
